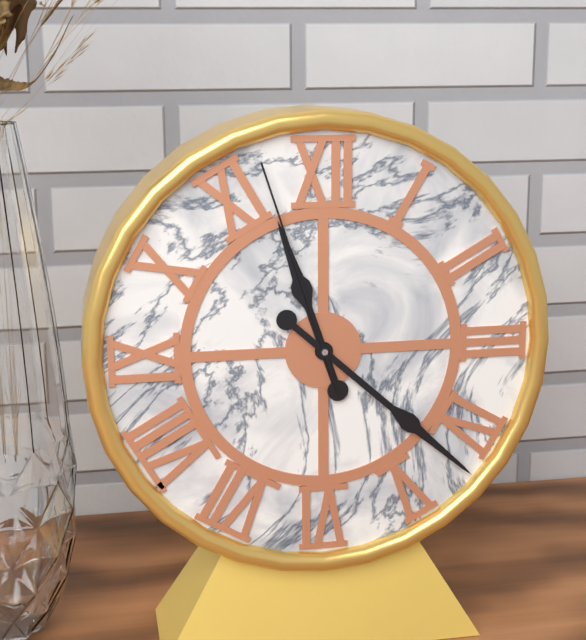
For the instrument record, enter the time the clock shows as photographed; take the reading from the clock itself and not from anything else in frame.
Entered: 11:22:57
